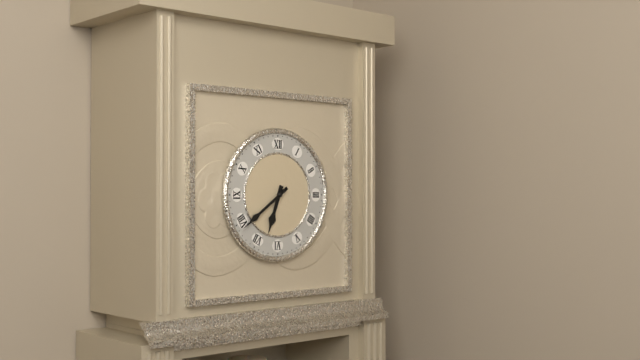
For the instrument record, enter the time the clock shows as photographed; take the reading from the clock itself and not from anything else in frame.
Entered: 6:39
